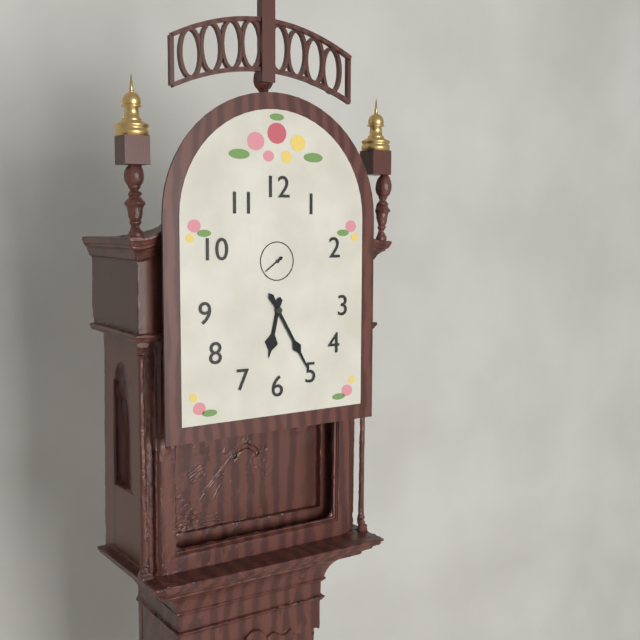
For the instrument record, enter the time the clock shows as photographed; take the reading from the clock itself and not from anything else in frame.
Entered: 6:25
